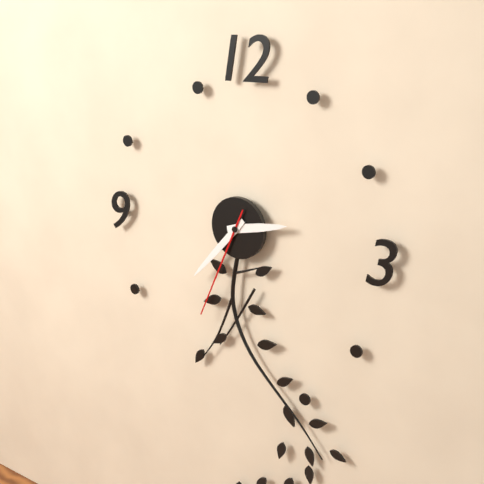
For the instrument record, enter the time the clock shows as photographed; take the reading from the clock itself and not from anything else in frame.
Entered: 2:37:34
